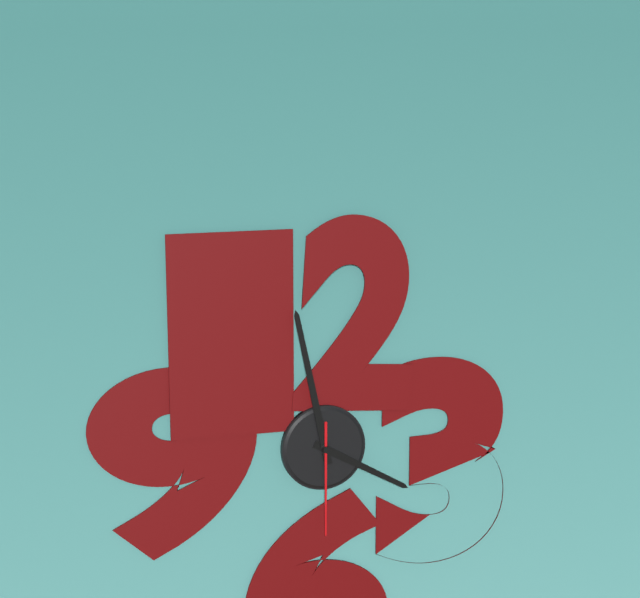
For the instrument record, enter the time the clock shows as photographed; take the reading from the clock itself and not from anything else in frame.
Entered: 3:58:30
